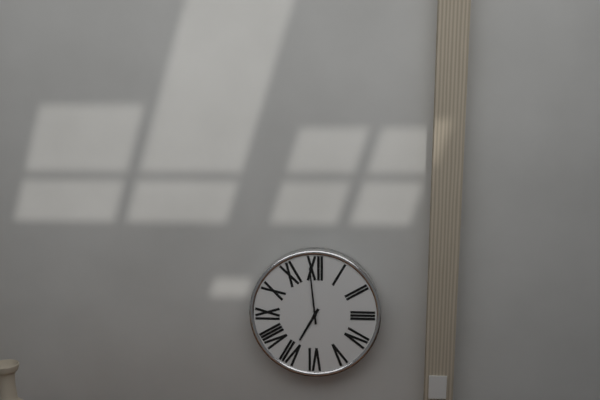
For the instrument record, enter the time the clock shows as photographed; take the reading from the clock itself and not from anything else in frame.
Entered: 6:59
